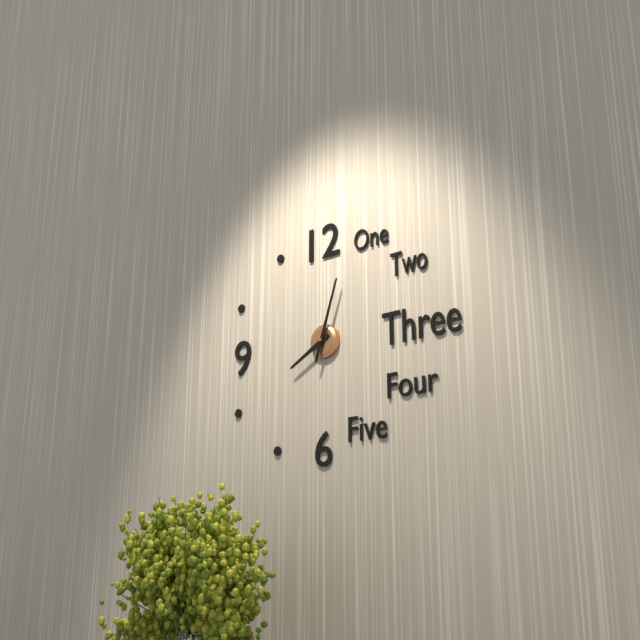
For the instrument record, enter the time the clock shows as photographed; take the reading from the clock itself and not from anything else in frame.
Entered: 8:03
